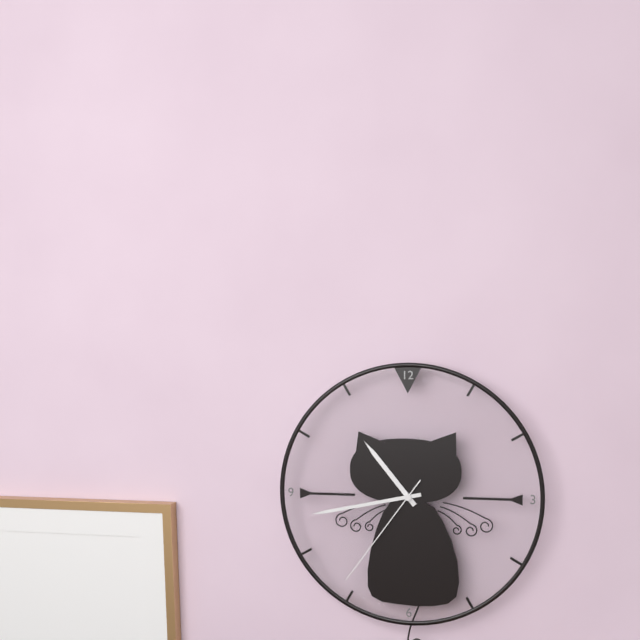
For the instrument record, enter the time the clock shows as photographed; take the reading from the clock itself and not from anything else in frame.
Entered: 10:43:36
